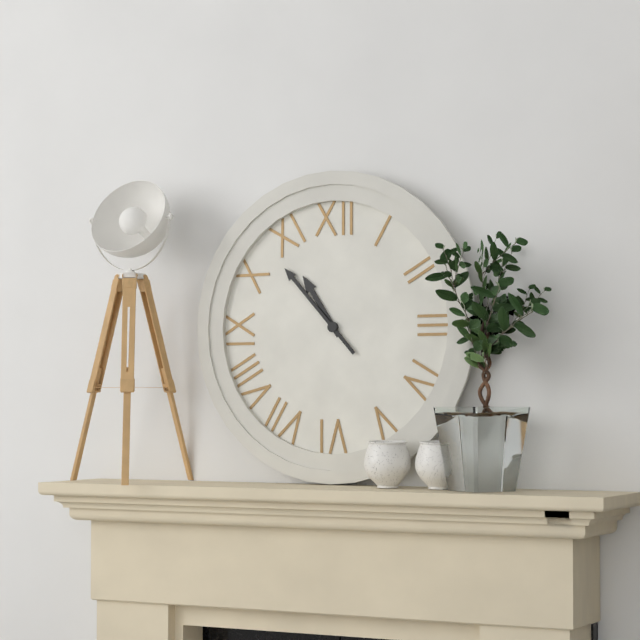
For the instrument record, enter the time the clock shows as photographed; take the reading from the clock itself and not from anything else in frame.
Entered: 10:53
